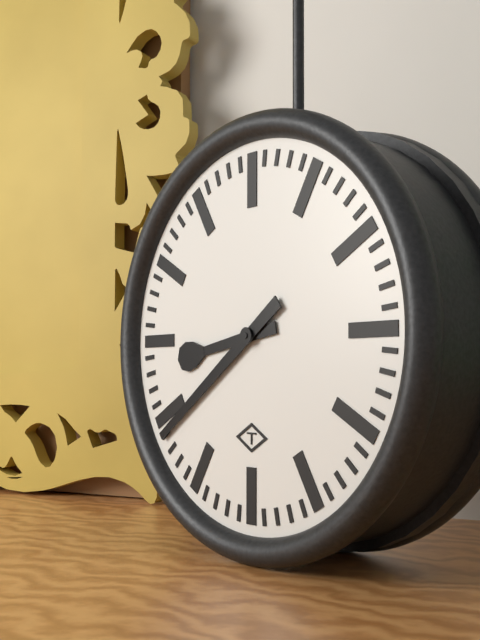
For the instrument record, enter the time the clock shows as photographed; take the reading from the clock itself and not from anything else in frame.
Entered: 8:39
